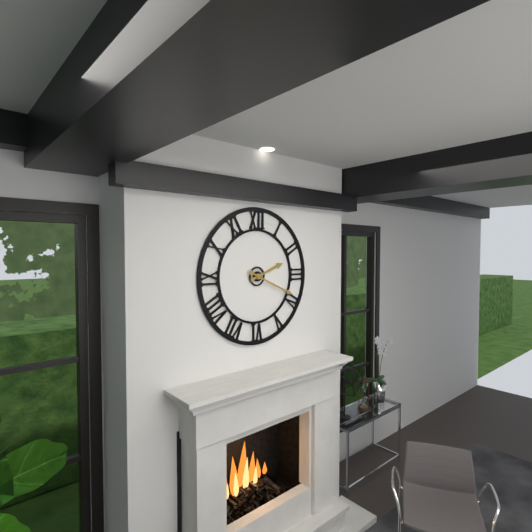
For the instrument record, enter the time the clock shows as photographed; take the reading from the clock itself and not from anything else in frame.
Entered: 2:19
